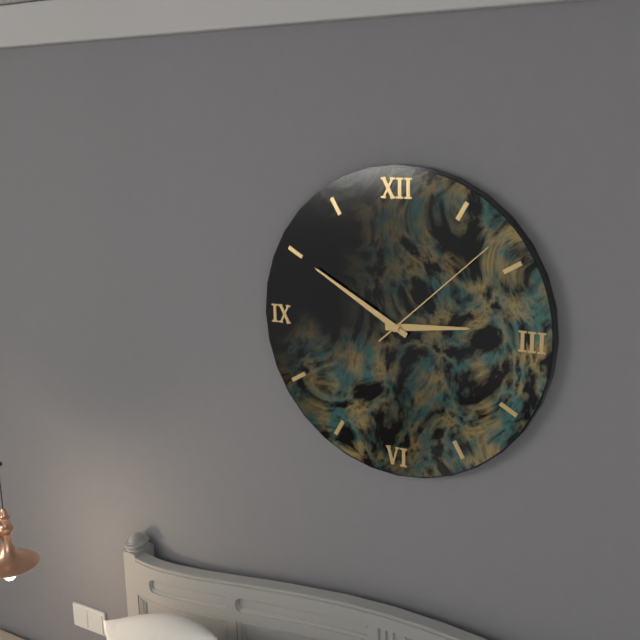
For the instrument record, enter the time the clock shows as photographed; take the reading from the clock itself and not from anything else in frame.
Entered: 2:50:08
